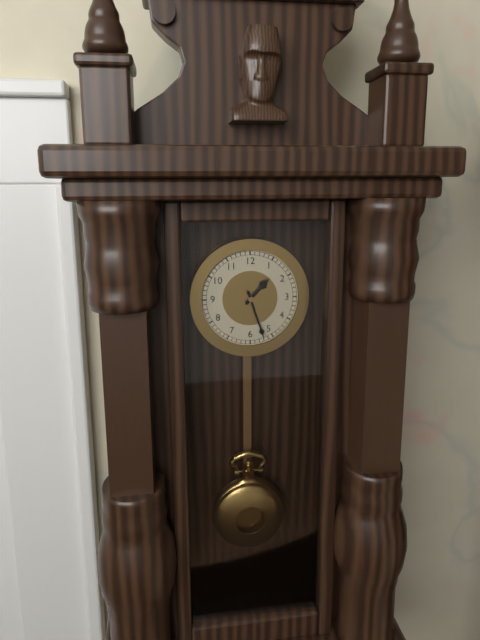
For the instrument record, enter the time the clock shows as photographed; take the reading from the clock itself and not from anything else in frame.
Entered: 1:27
